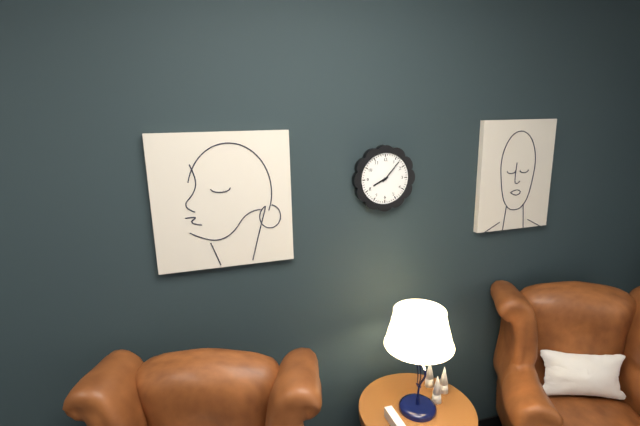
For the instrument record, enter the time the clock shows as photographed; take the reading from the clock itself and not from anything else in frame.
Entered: 8:07
